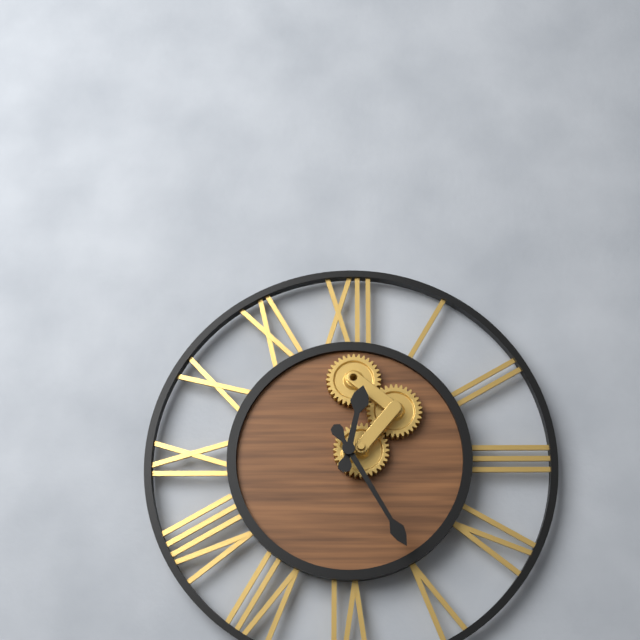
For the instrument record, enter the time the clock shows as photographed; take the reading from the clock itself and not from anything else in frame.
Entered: 12:25
